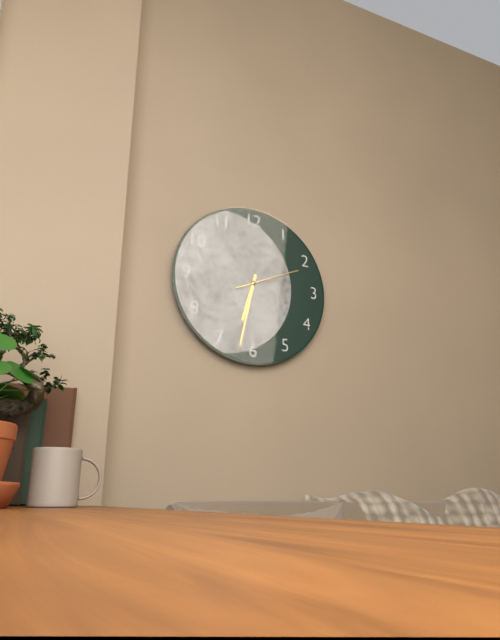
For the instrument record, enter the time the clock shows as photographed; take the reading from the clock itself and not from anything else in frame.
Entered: 6:32:11
